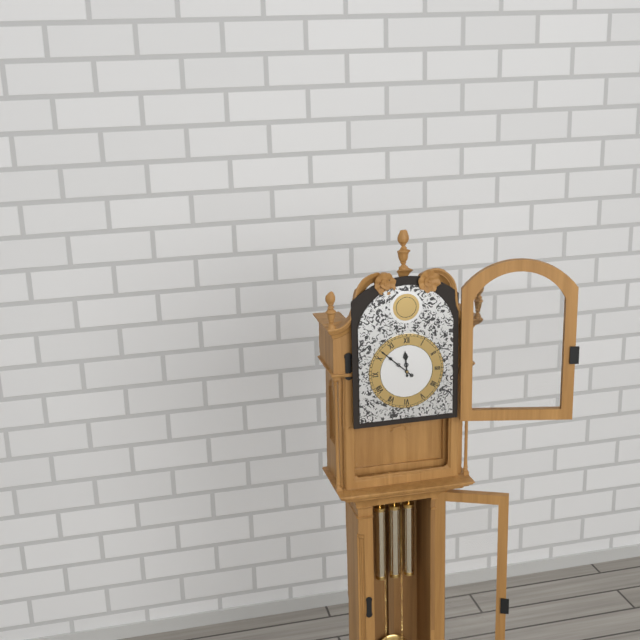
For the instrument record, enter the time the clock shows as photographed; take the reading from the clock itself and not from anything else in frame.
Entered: 11:52
